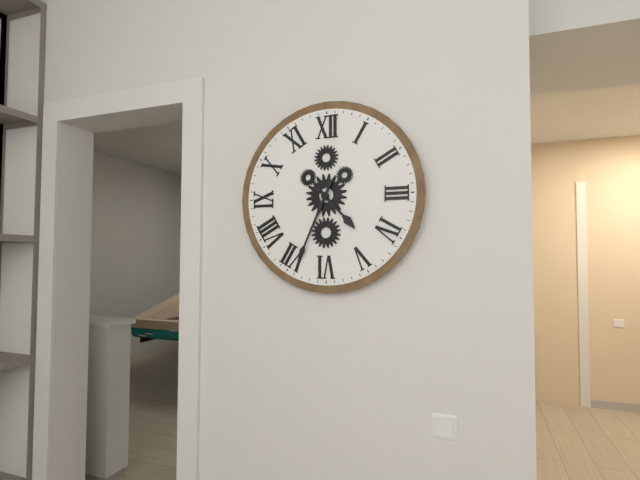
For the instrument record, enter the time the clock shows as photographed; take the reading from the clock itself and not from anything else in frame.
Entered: 4:34
